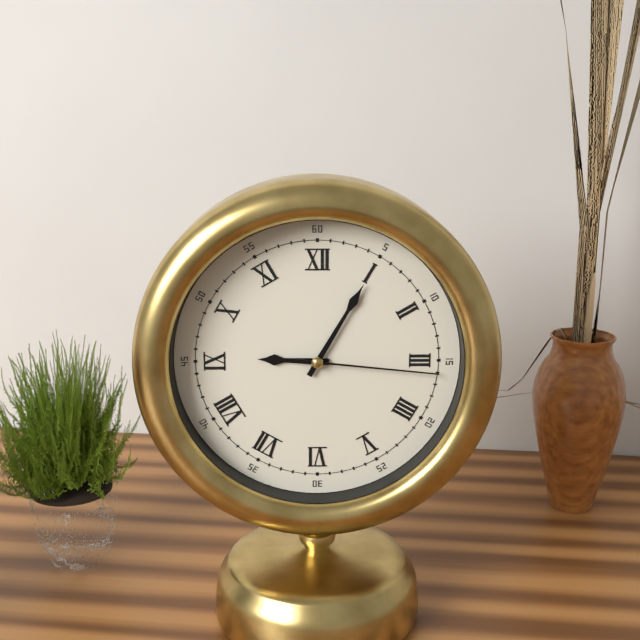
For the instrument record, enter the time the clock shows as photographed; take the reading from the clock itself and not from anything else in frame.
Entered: 9:05:16
